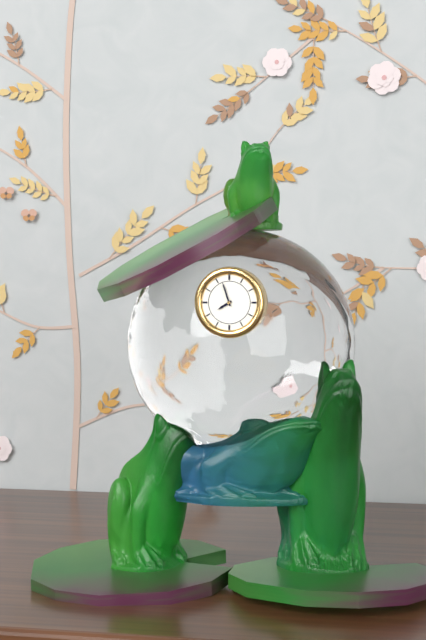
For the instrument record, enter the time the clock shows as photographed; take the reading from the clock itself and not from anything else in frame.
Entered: 7:57
